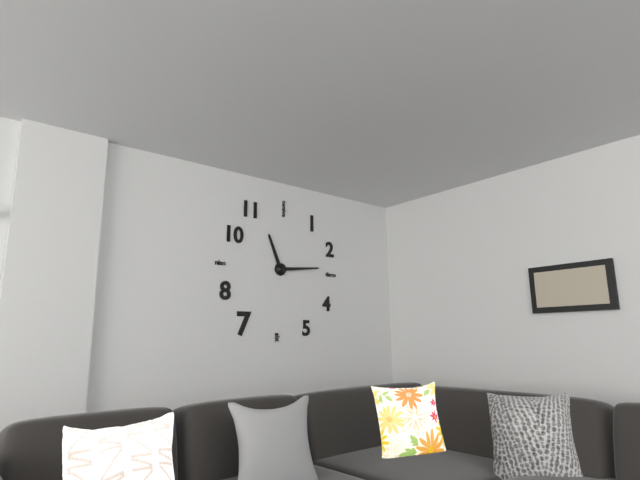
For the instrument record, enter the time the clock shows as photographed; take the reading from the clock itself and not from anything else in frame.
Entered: 11:14
